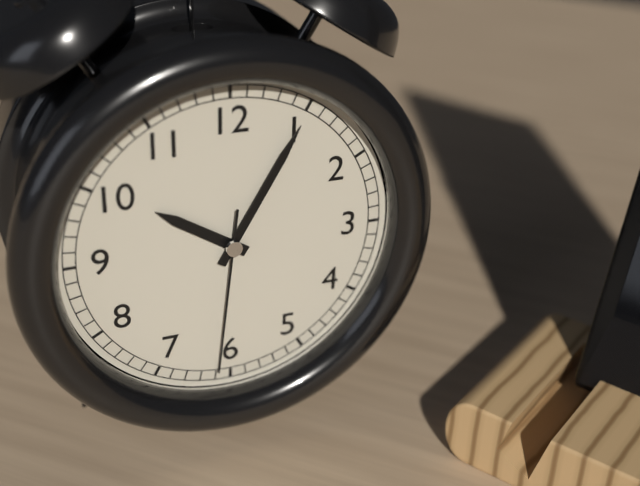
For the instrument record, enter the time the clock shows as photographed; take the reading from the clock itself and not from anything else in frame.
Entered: 10:05:31
